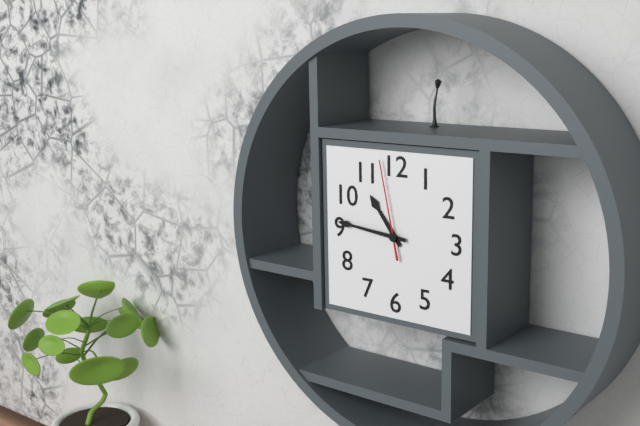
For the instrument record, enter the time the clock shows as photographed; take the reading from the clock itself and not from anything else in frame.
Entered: 10:46:58
